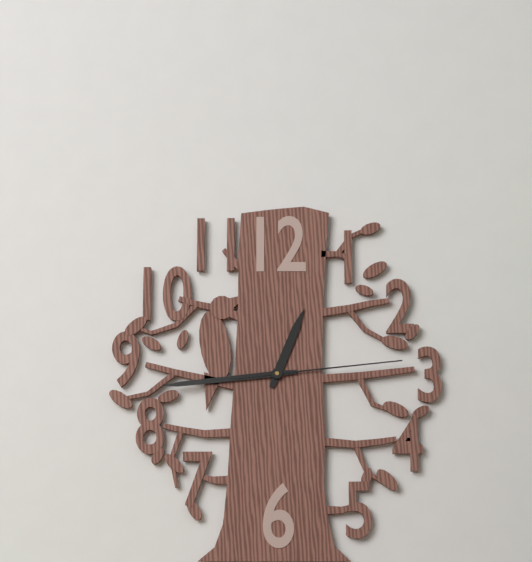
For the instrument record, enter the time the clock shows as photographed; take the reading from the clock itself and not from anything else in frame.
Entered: 12:44:14
